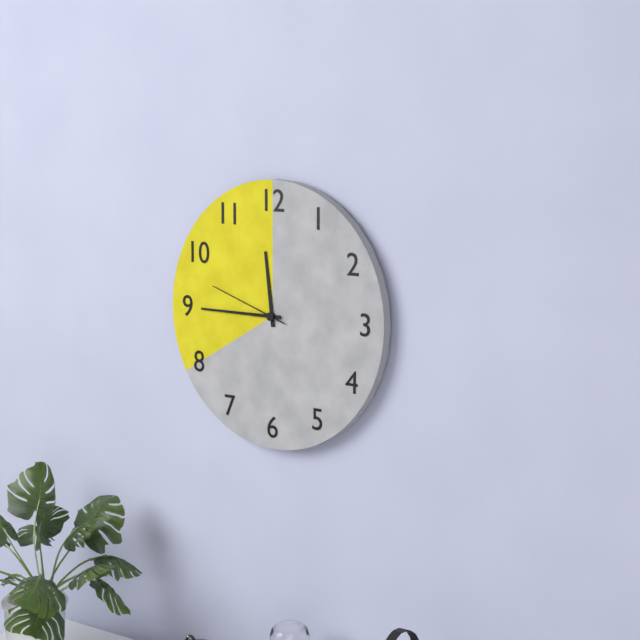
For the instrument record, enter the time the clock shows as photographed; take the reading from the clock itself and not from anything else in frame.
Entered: 11:45:48
